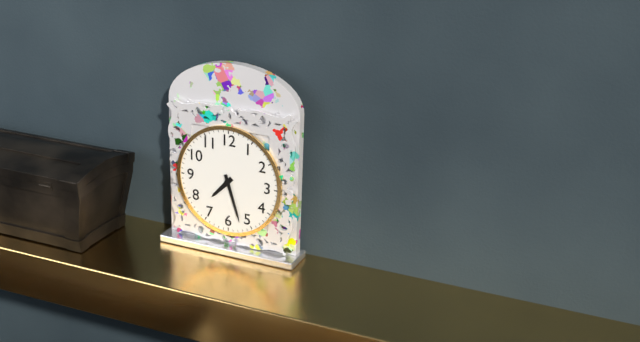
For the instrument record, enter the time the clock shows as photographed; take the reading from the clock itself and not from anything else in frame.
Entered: 7:27
